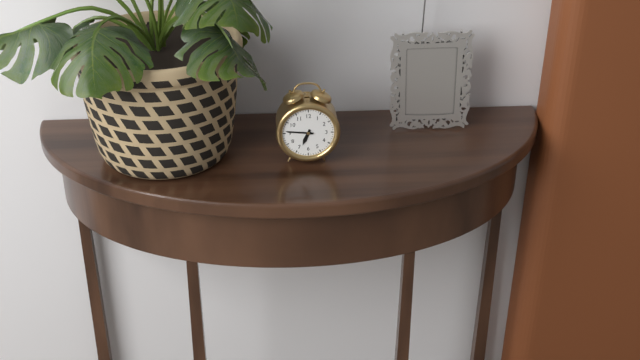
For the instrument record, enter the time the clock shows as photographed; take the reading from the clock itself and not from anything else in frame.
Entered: 6:46
